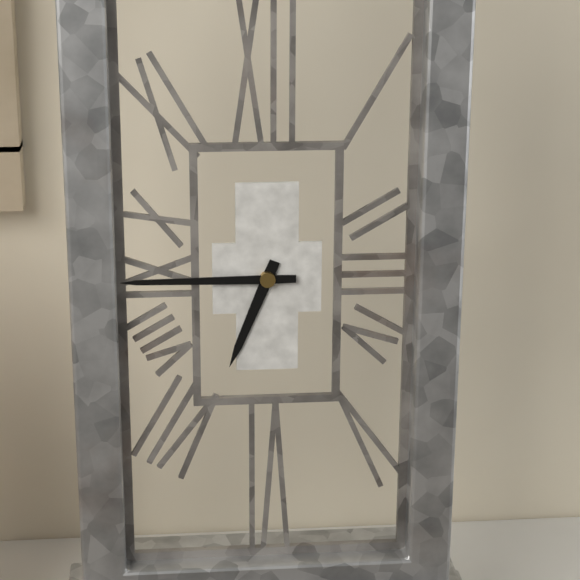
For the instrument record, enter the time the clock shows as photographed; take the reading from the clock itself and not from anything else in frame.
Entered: 6:45
